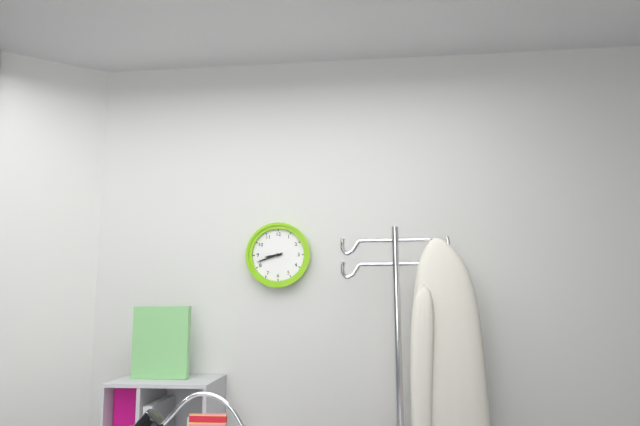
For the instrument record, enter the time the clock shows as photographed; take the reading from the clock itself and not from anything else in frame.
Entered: 8:42
